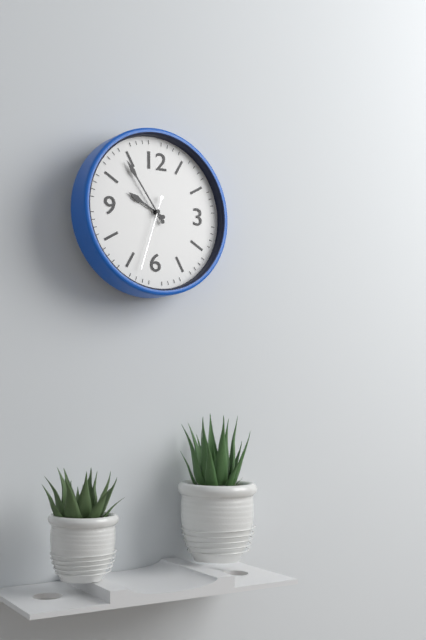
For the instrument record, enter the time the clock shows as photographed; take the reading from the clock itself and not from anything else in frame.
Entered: 9:54:33
